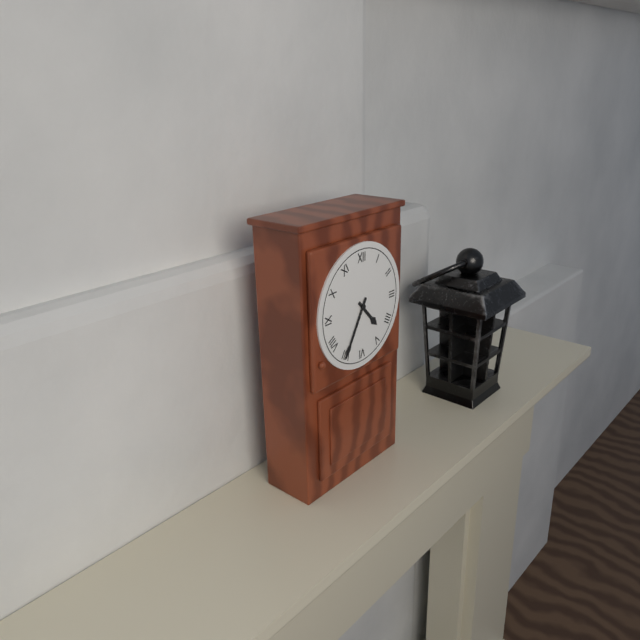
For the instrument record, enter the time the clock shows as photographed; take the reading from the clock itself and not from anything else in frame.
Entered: 4:35
